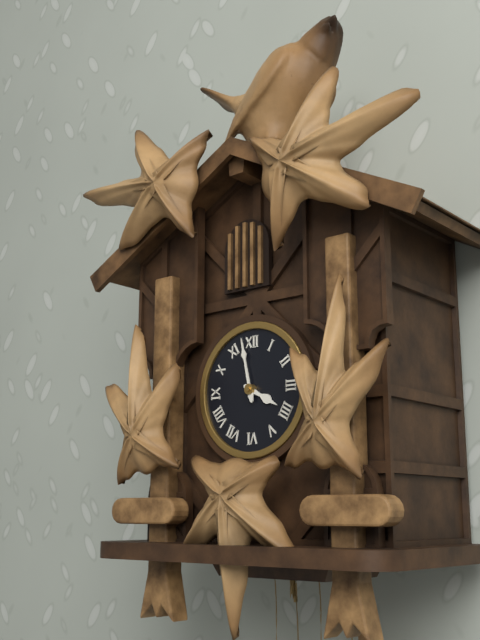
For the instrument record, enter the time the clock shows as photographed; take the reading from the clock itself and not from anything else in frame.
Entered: 3:58
